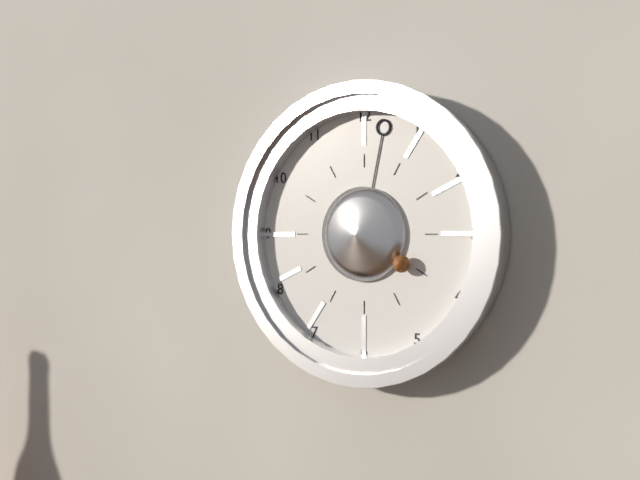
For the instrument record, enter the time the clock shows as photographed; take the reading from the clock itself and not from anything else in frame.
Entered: 4:02
